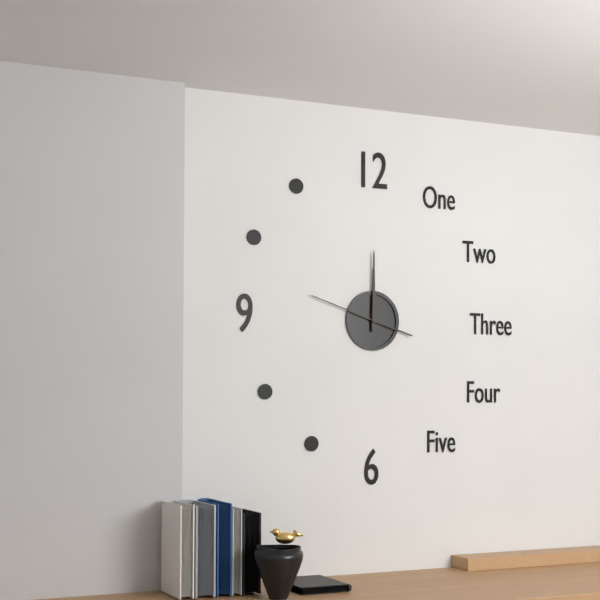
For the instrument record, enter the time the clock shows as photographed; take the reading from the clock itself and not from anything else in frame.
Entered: 12:00:48
